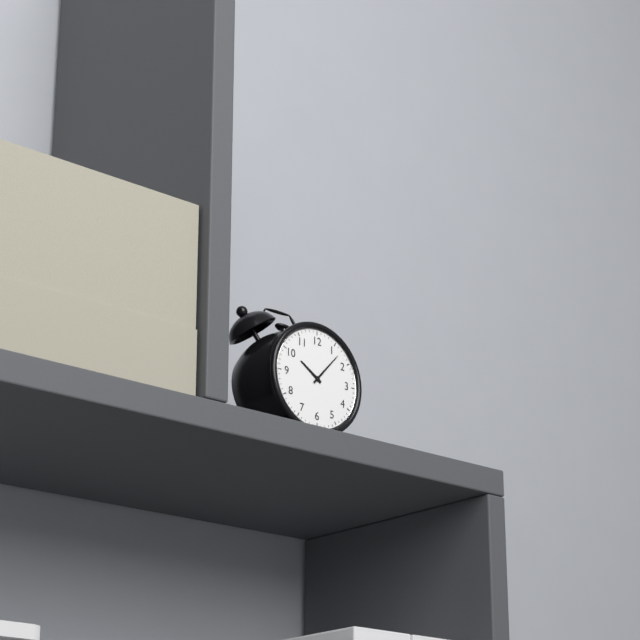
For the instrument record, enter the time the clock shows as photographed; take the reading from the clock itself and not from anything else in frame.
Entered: 10:07
